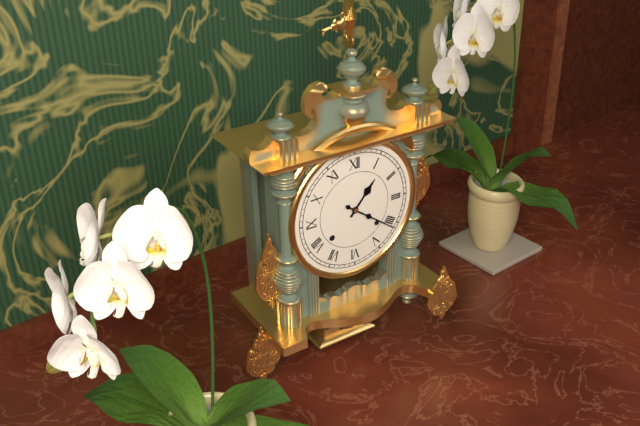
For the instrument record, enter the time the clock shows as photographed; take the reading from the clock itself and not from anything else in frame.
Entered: 1:21
